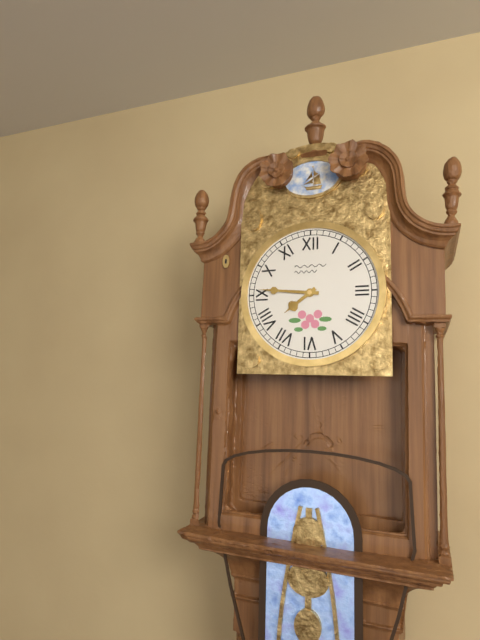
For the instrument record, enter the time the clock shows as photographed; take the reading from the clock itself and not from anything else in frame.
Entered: 7:46
